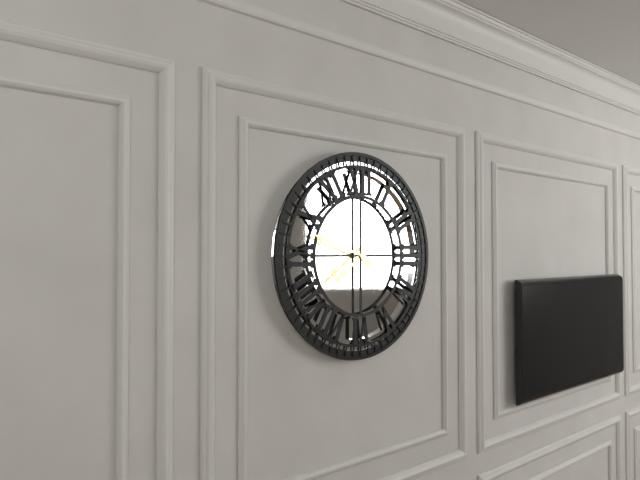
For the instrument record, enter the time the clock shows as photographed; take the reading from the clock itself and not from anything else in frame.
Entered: 7:48
